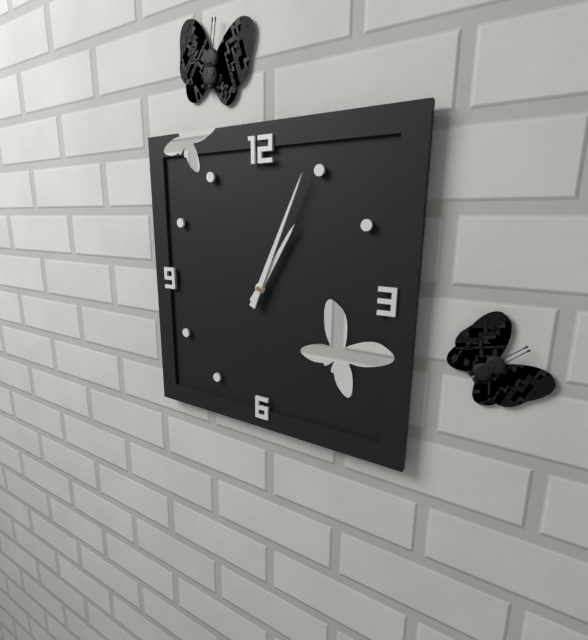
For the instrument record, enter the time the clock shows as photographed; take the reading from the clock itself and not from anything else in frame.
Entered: 1:04
